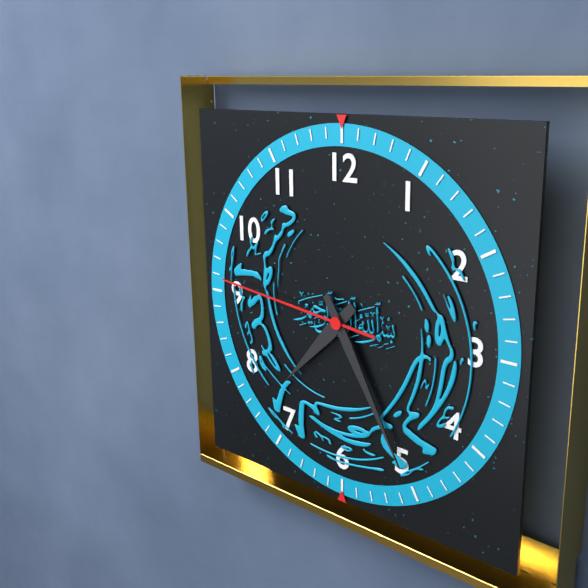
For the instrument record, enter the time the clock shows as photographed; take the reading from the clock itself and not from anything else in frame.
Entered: 7:25:46
